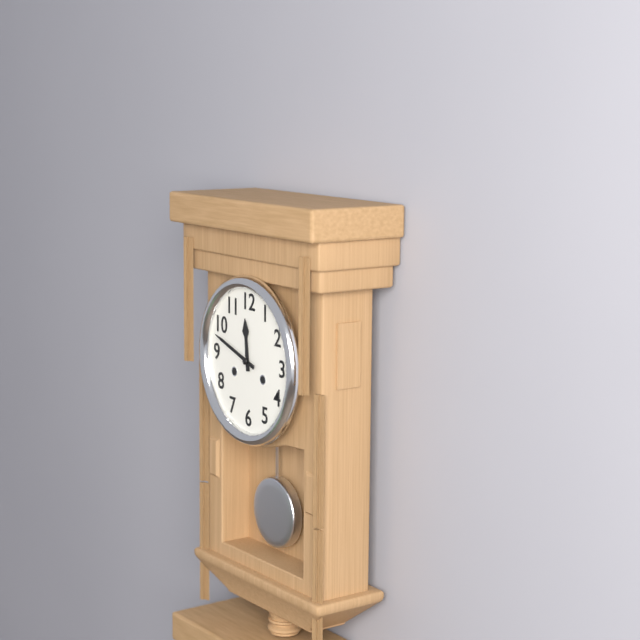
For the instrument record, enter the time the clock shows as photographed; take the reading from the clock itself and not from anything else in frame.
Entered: 11:48
